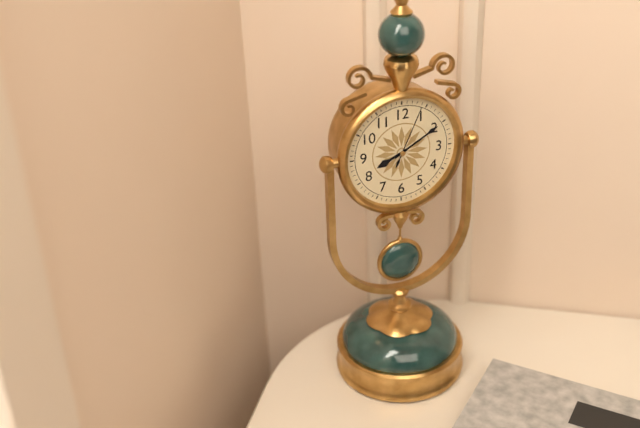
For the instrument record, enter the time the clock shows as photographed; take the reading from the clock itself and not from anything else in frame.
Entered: 8:10:04
